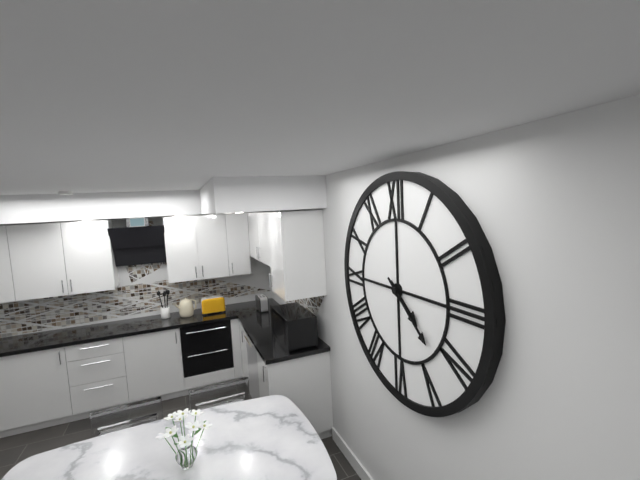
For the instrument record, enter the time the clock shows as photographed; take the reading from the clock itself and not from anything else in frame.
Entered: 4:22
